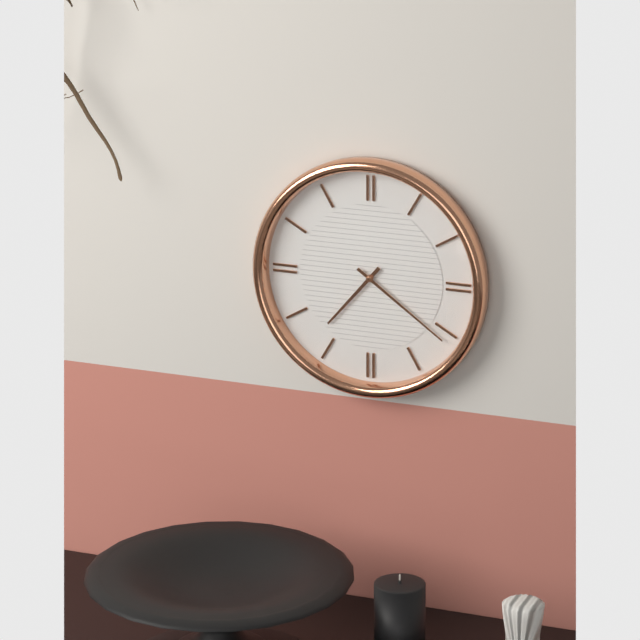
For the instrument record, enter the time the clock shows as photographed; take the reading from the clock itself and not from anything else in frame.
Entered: 7:21
